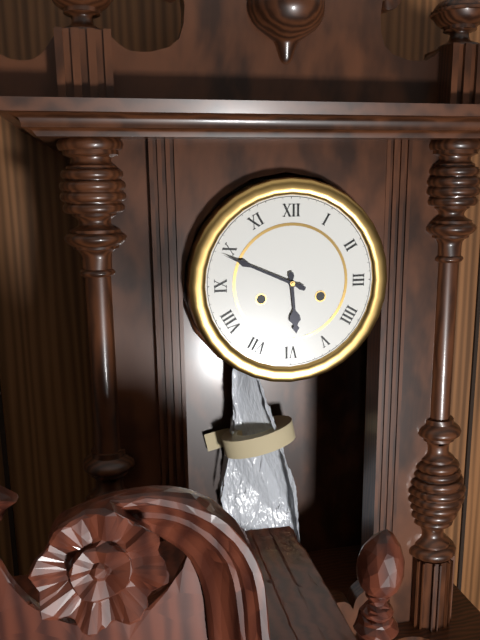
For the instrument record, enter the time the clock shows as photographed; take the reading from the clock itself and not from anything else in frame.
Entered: 5:49
